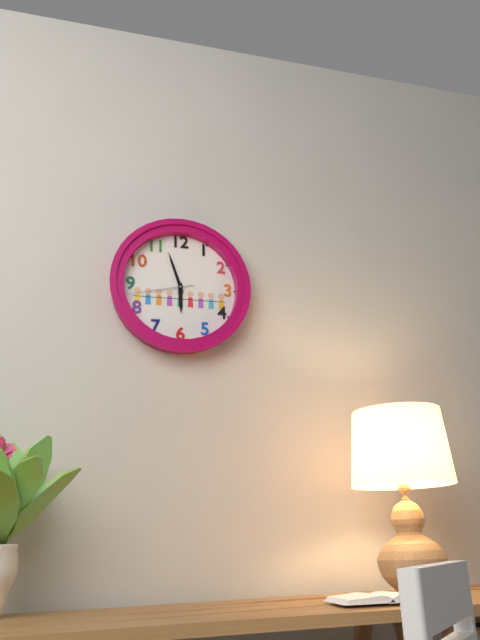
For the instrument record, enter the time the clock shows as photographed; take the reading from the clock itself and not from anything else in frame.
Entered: 5:57:43
